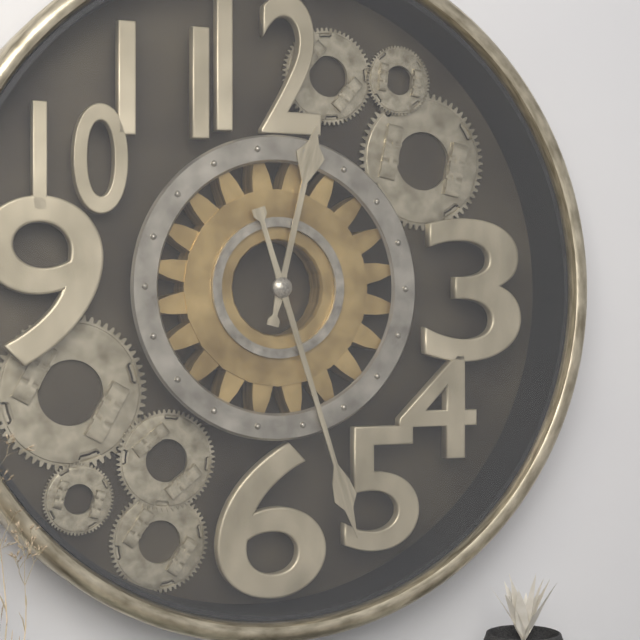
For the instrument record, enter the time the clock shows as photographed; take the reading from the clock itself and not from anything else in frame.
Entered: 12:27
